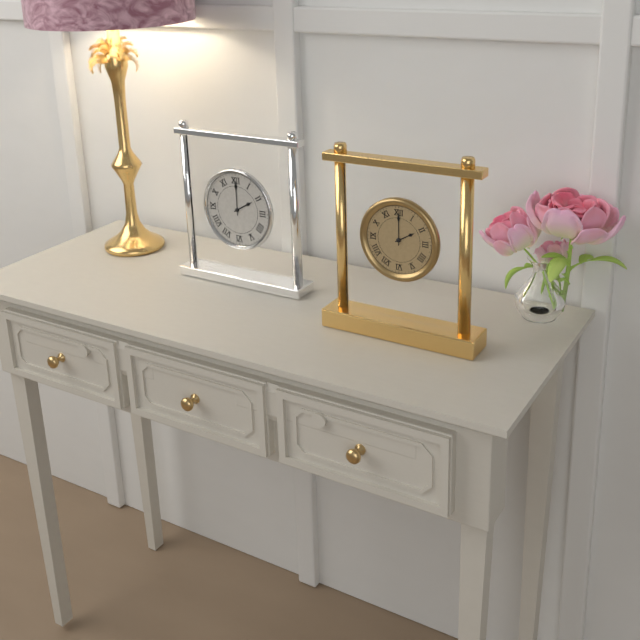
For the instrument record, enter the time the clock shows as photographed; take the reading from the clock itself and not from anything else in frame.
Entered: 2:00
